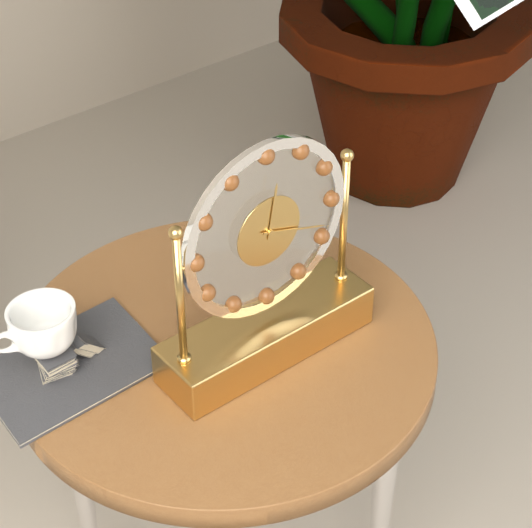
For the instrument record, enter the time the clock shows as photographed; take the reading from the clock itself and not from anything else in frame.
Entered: 12:18
